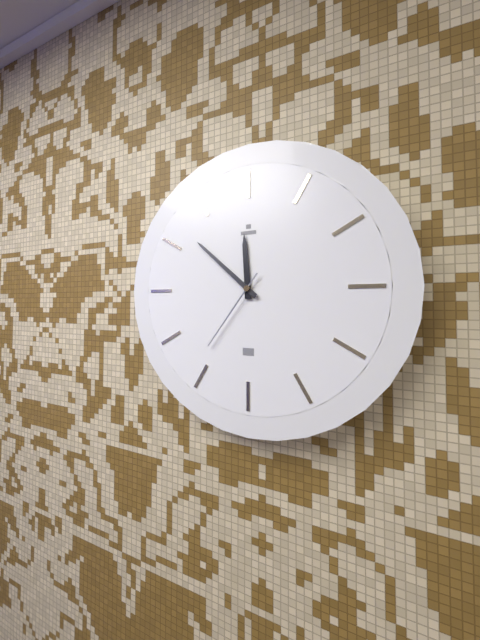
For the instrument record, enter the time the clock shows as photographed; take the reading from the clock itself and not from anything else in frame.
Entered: 11:52:36
